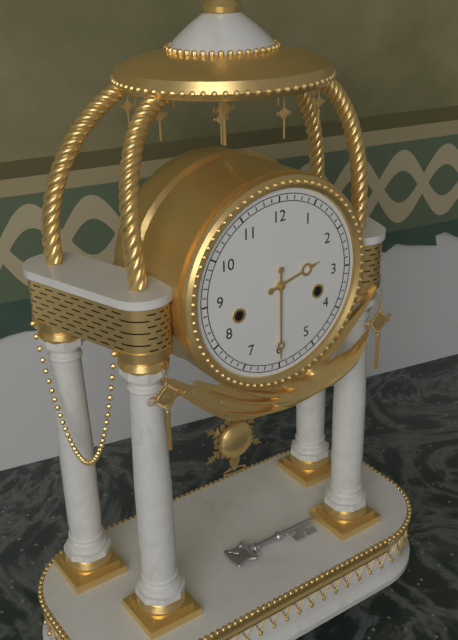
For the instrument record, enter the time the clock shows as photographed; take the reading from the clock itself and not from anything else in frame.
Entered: 2:30
